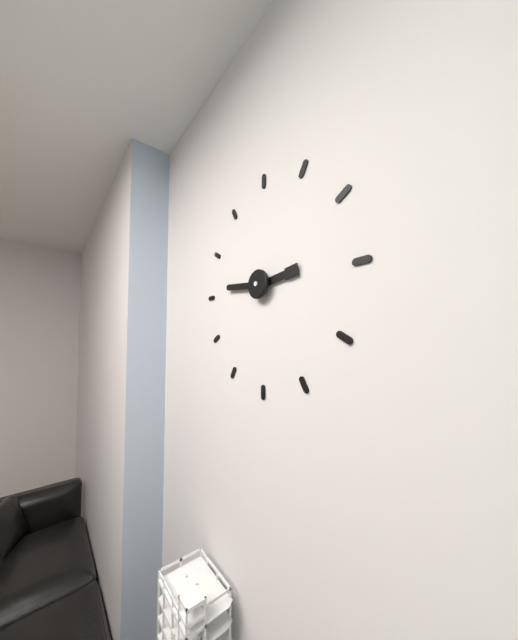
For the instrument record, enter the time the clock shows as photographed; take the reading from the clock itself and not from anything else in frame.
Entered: 2:46
